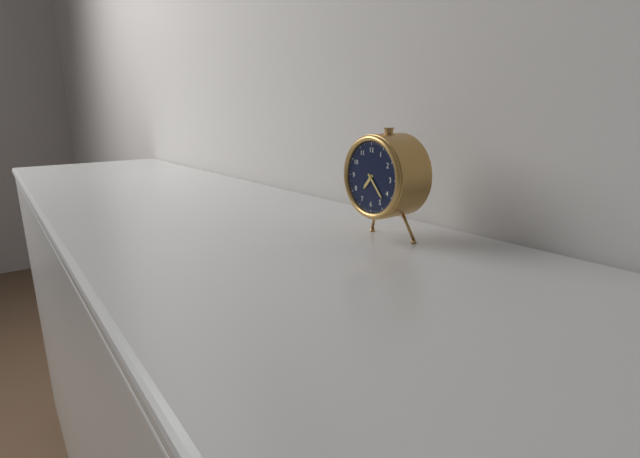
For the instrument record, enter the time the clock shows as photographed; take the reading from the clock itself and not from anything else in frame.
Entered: 7:23
